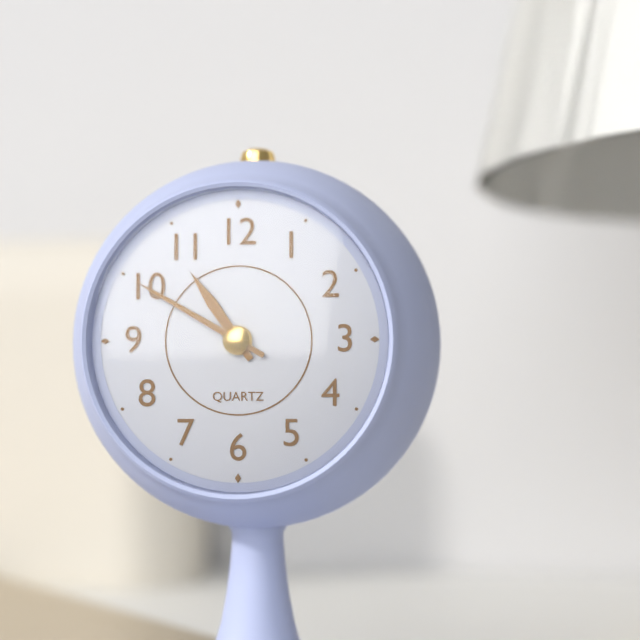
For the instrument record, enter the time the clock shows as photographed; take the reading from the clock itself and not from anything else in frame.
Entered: 10:50
